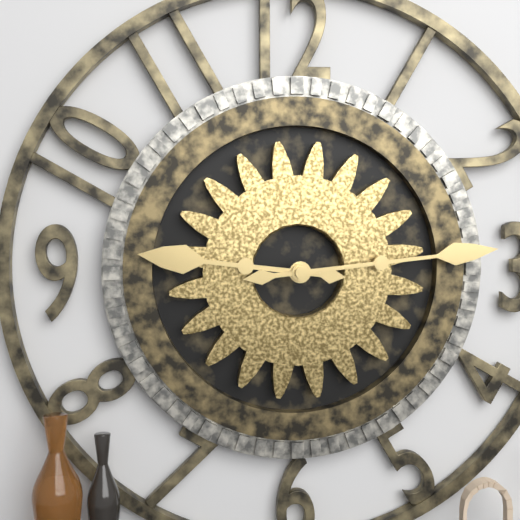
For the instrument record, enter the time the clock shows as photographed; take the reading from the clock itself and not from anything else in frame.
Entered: 9:14
